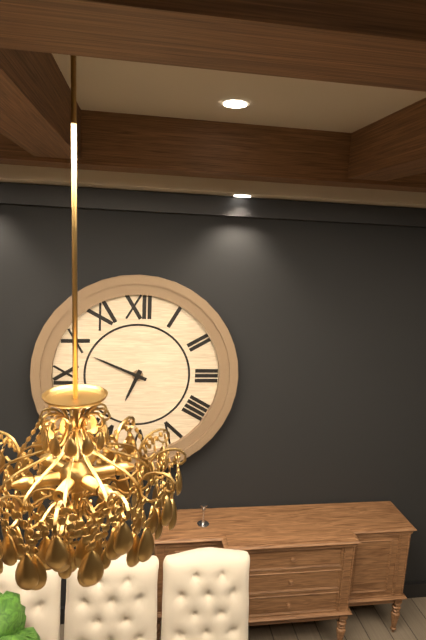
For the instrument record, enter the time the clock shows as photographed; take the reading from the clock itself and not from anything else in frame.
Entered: 6:49
